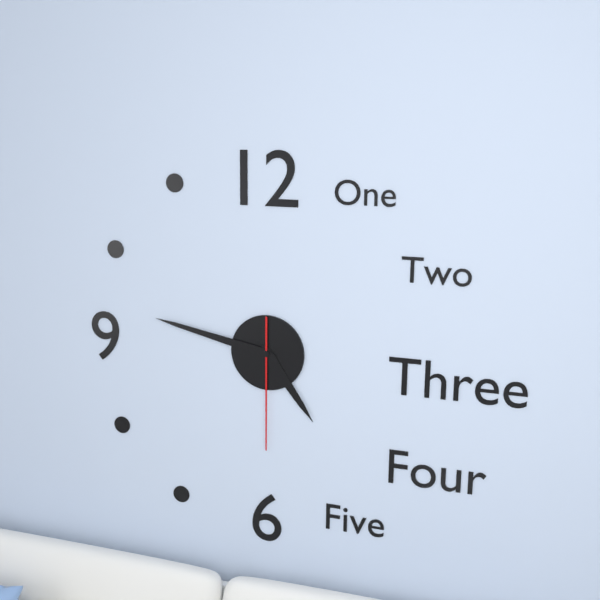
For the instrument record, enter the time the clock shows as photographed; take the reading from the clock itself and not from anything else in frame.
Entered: 4:47:30
